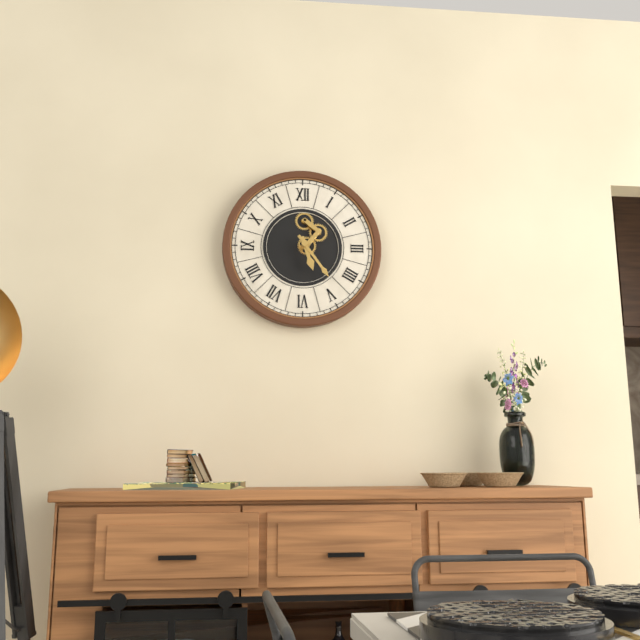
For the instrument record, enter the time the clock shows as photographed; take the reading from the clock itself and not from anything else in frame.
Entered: 5:24
